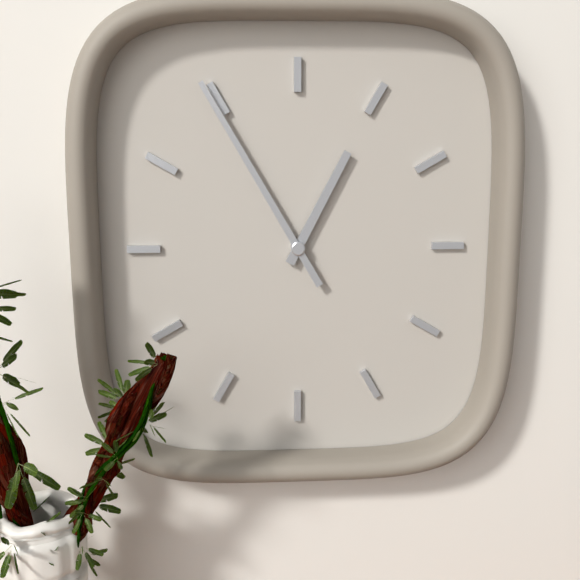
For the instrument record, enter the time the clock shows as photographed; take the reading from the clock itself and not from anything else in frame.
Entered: 12:55
